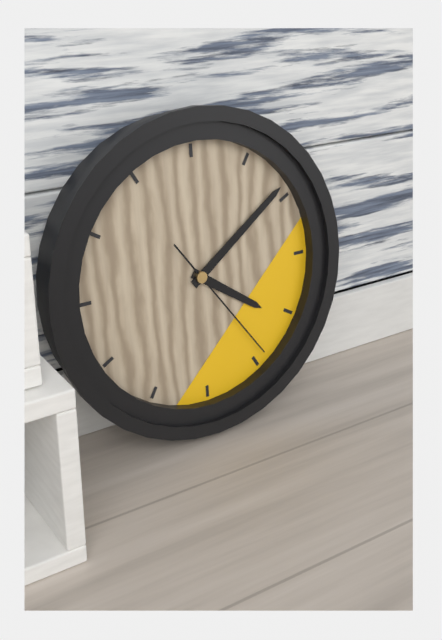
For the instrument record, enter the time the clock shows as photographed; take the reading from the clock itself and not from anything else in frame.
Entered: 4:09:24
